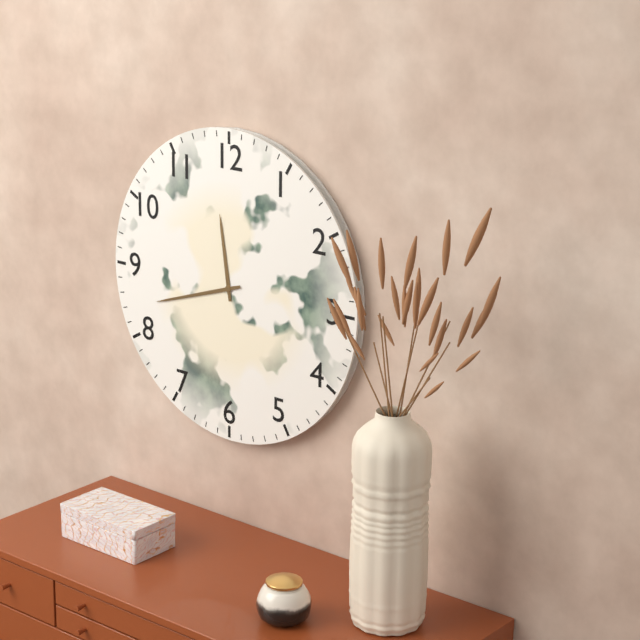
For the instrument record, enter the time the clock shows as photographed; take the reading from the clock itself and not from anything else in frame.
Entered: 11:42
